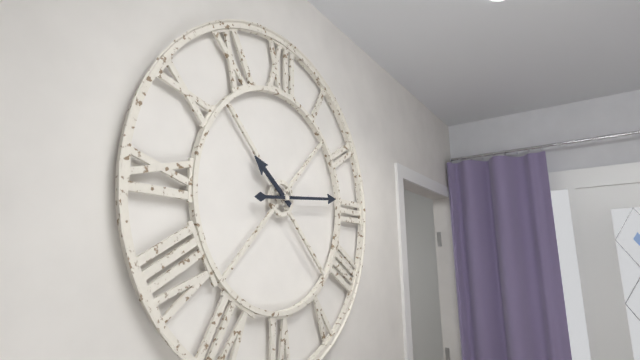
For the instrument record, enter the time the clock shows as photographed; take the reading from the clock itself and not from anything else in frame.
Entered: 10:14
